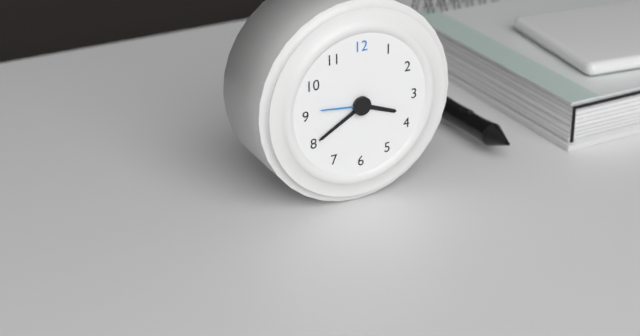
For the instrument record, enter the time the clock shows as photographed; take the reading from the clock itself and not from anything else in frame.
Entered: 3:40:46
